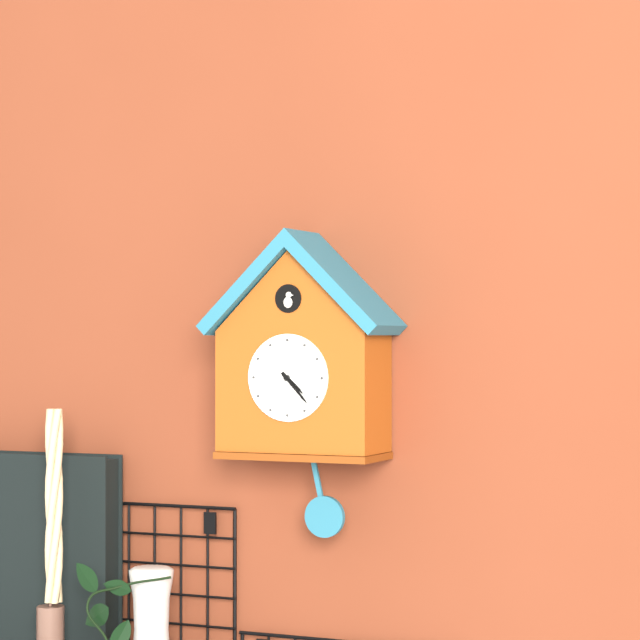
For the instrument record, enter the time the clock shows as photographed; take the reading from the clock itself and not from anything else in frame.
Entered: 4:23
